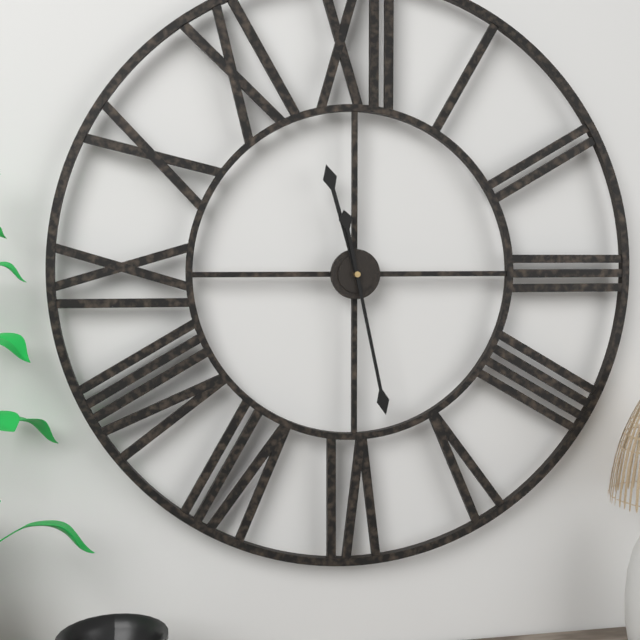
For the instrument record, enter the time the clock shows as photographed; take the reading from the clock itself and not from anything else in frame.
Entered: 11:28
